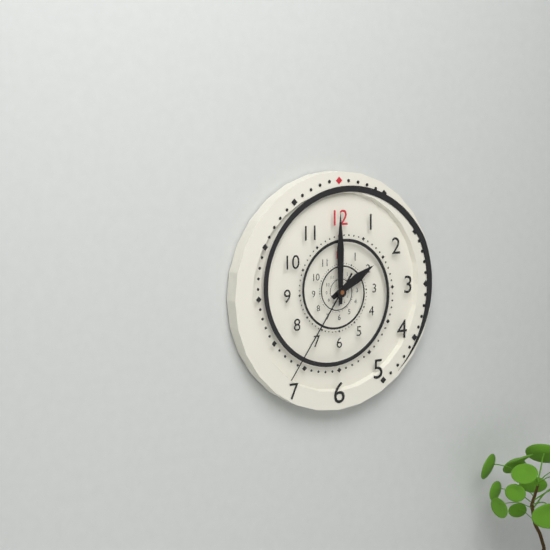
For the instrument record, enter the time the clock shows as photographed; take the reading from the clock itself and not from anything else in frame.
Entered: 2:00:36
